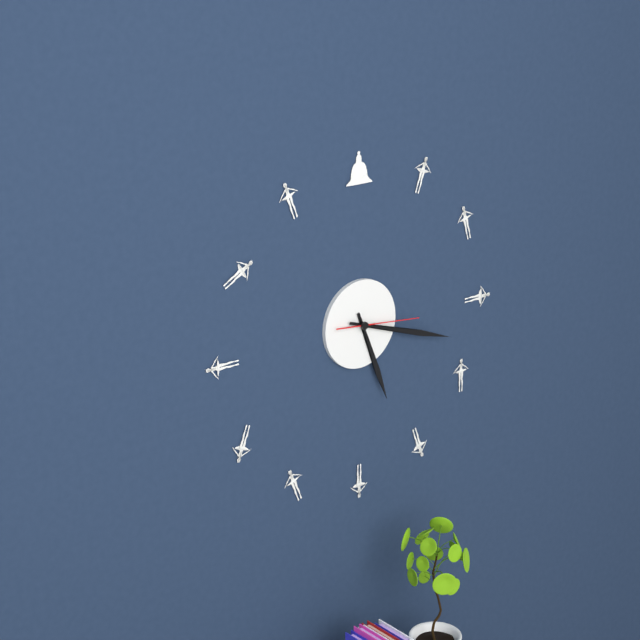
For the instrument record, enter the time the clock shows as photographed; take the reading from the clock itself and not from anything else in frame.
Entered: 5:18:16
